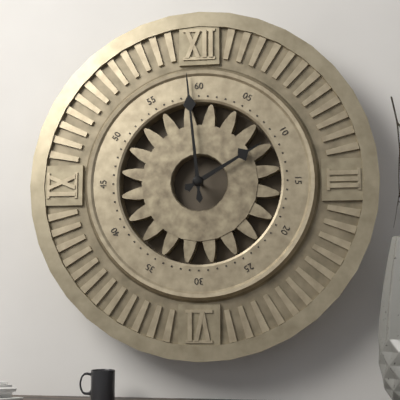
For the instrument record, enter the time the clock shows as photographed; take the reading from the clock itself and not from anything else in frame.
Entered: 1:59
